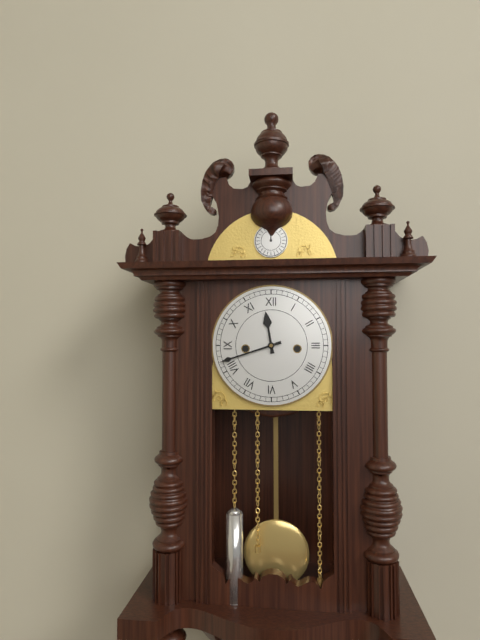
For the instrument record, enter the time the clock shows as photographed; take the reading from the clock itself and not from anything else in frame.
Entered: 11:42
